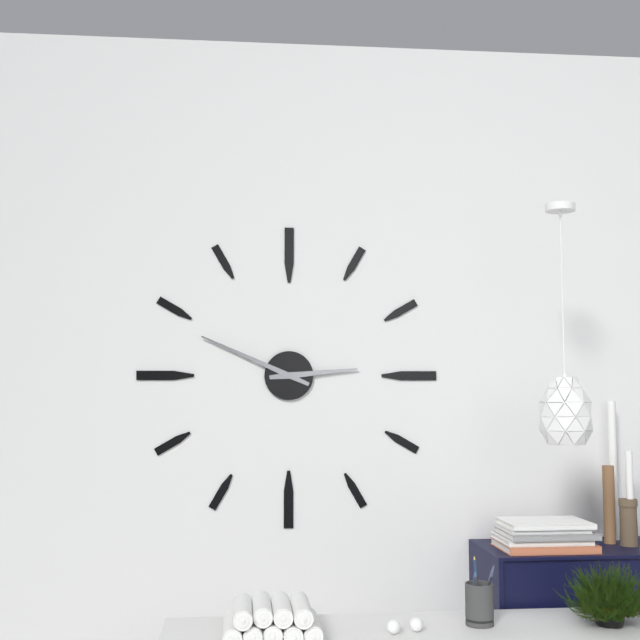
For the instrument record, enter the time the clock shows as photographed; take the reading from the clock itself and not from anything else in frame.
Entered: 2:49
